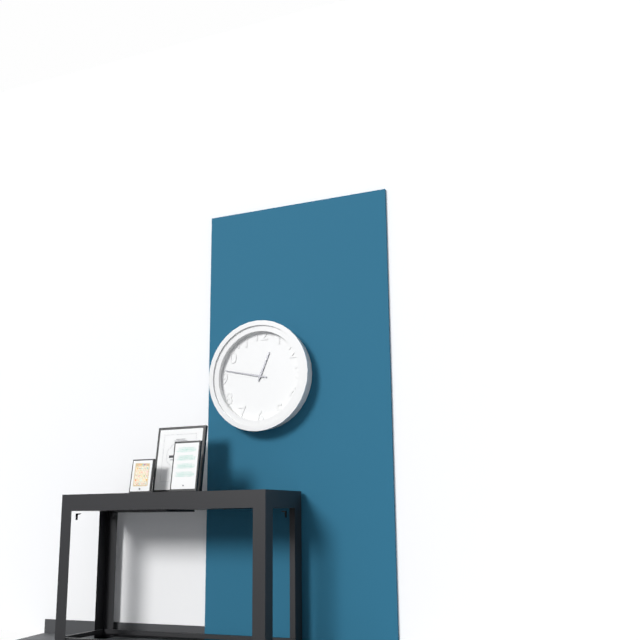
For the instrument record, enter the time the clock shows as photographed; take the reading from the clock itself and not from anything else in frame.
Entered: 12:47
